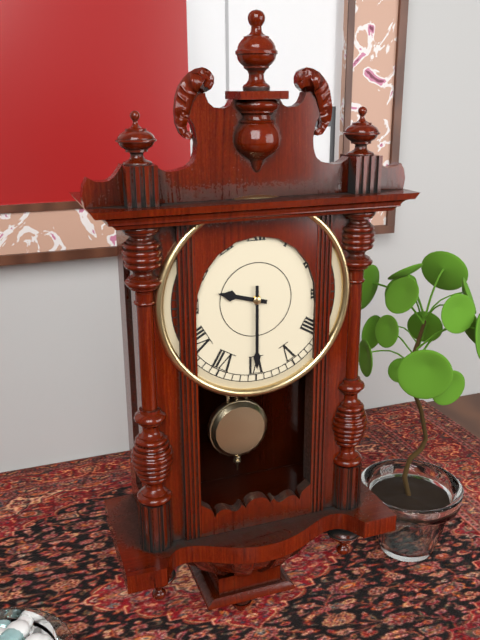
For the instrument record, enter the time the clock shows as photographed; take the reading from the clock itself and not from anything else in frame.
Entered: 9:30
